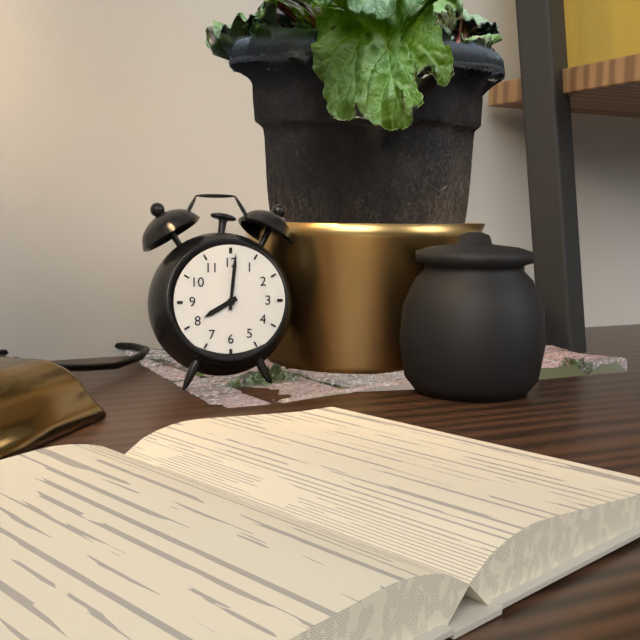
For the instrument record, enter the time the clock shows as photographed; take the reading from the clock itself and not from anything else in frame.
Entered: 8:01
